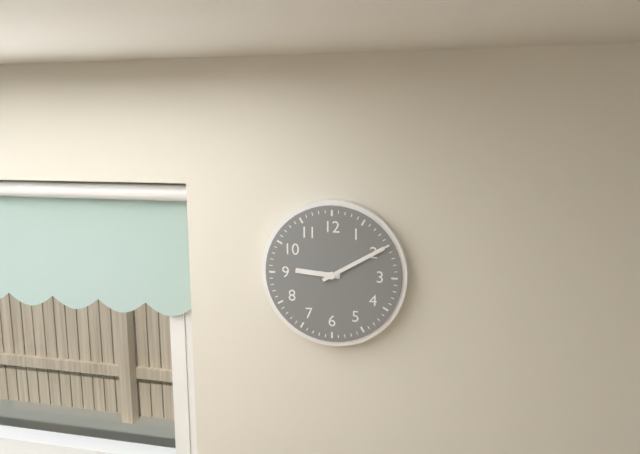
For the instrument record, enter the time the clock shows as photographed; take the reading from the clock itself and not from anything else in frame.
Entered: 9:10
